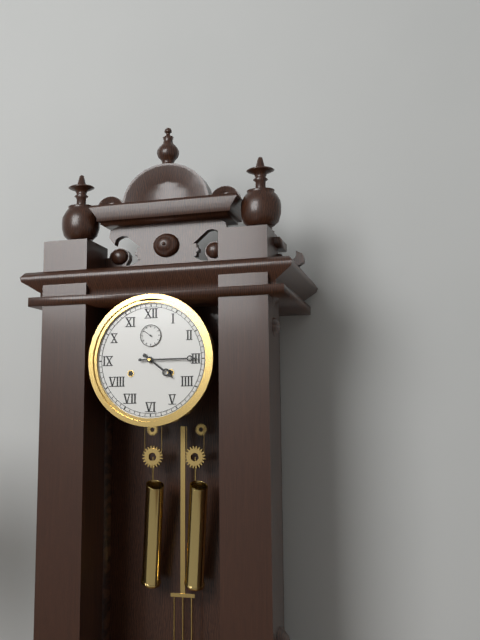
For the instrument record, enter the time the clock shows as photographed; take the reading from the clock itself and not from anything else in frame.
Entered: 4:15
